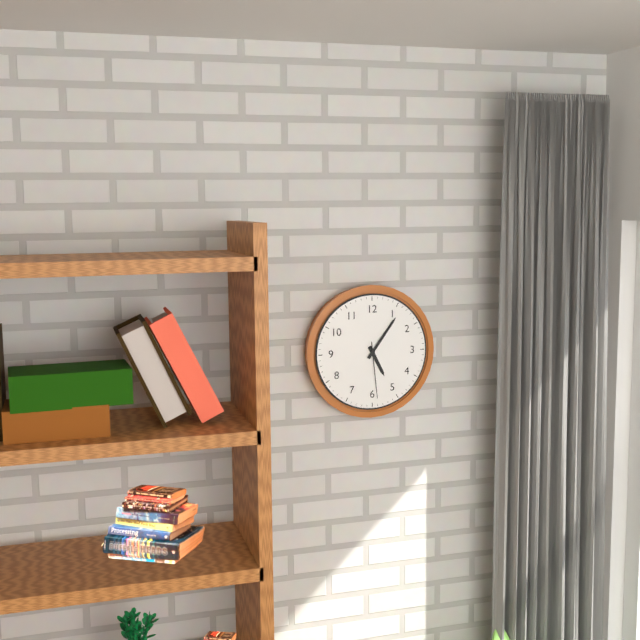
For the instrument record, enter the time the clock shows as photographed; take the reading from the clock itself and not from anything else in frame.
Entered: 5:06:29
